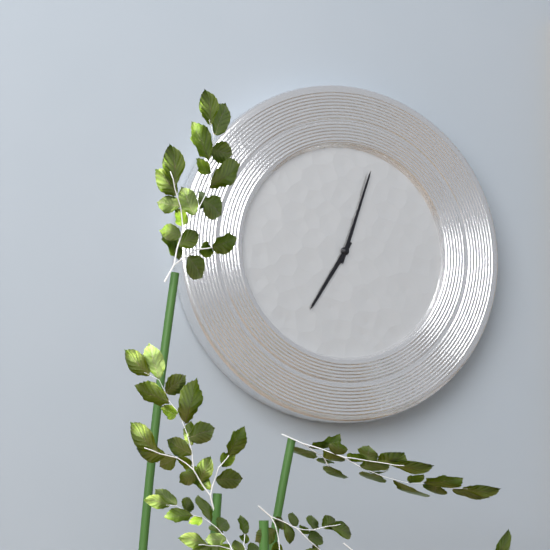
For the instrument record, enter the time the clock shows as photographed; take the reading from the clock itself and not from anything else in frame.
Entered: 7:03
